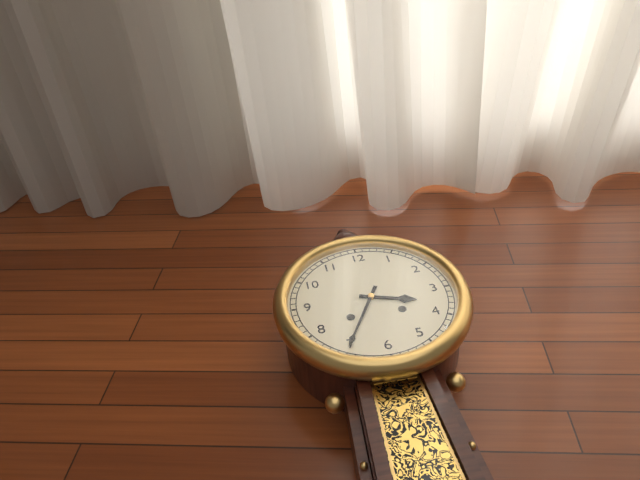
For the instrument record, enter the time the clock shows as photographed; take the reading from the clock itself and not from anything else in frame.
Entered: 3:35
